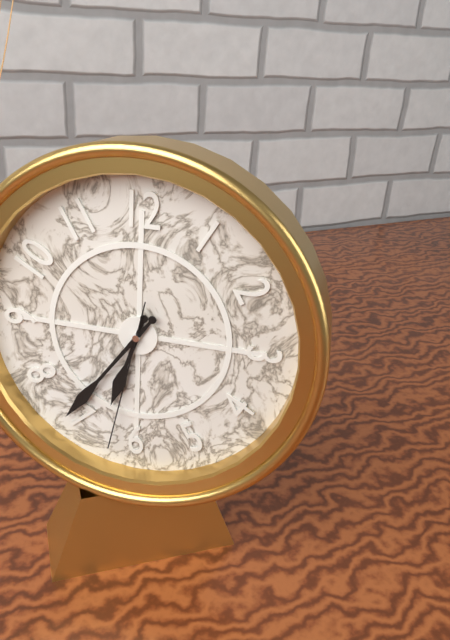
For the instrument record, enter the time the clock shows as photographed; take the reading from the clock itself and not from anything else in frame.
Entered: 6:36:32
